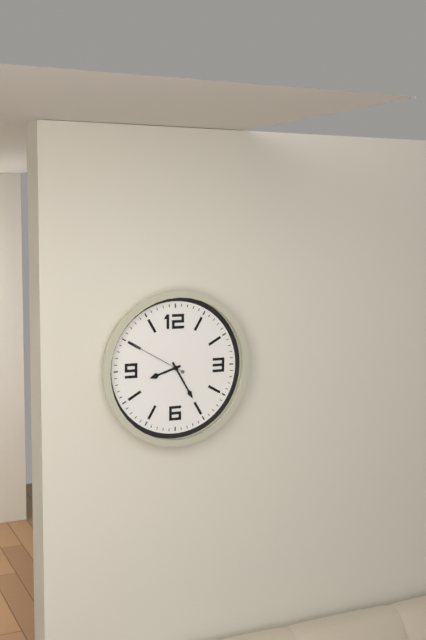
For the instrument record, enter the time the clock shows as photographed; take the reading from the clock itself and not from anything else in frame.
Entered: 8:25:50
